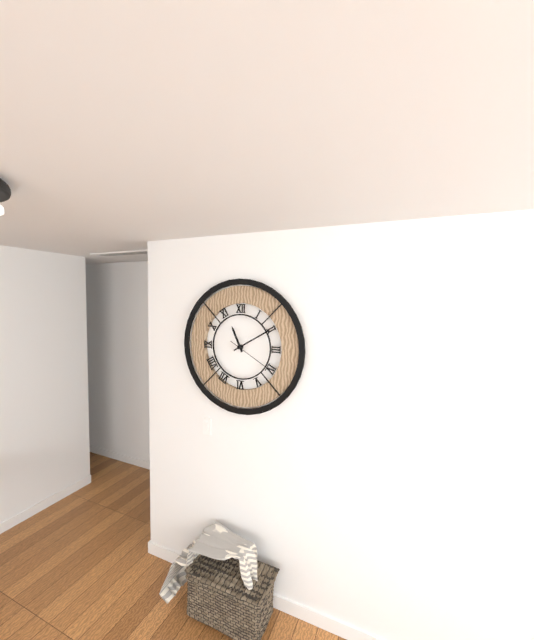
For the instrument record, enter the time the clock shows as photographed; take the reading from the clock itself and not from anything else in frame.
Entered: 11:10
